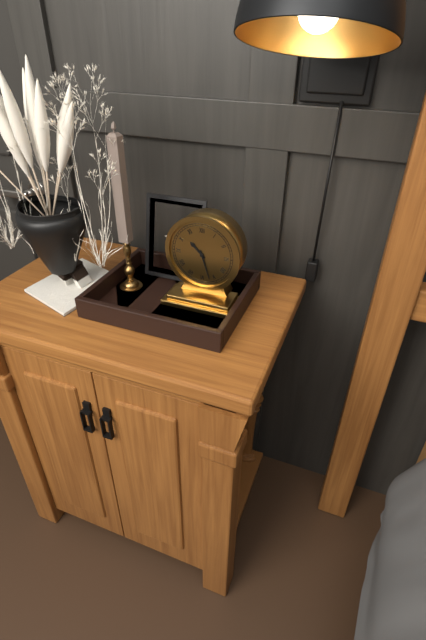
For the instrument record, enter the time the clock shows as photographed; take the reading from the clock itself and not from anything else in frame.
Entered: 10:27
